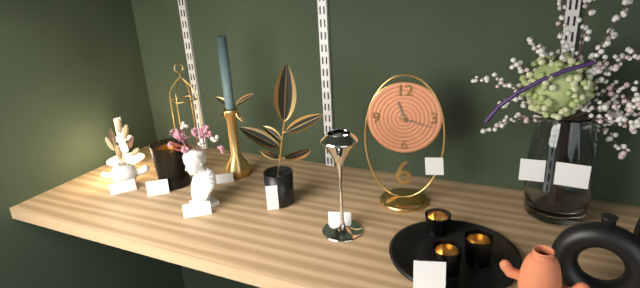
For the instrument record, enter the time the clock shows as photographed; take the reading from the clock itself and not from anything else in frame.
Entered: 11:18
